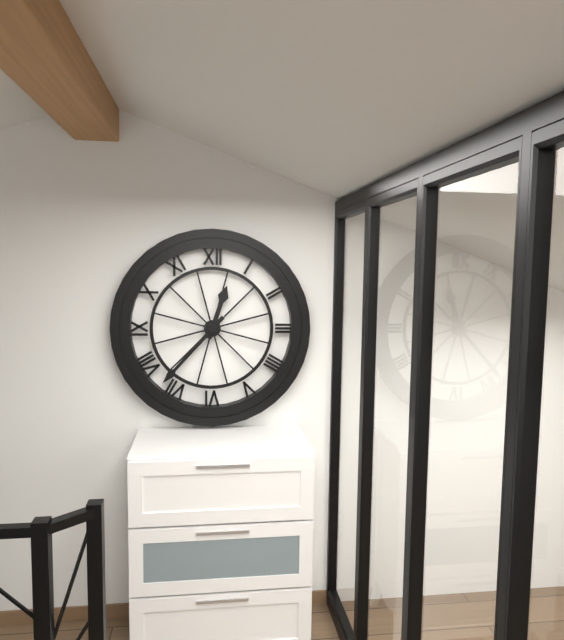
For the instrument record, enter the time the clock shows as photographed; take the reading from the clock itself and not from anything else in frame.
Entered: 12:37
